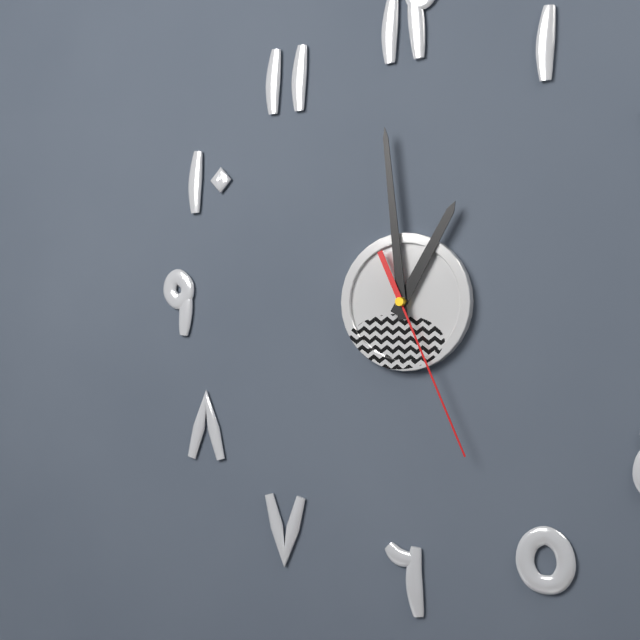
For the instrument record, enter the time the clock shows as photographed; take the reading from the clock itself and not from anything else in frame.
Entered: 12:59:26
